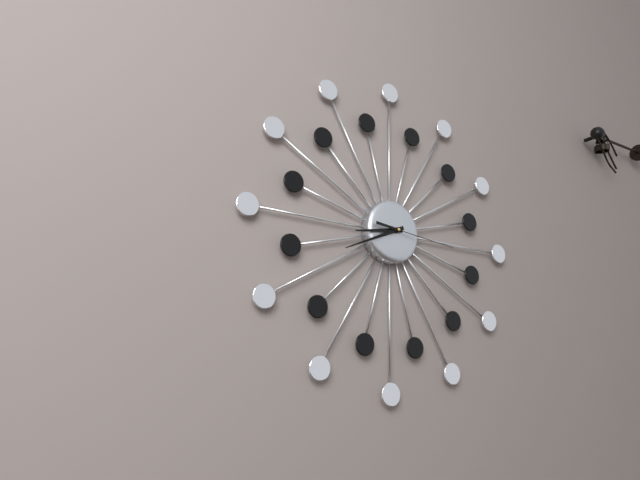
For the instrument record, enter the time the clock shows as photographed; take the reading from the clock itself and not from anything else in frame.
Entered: 8:41:16
